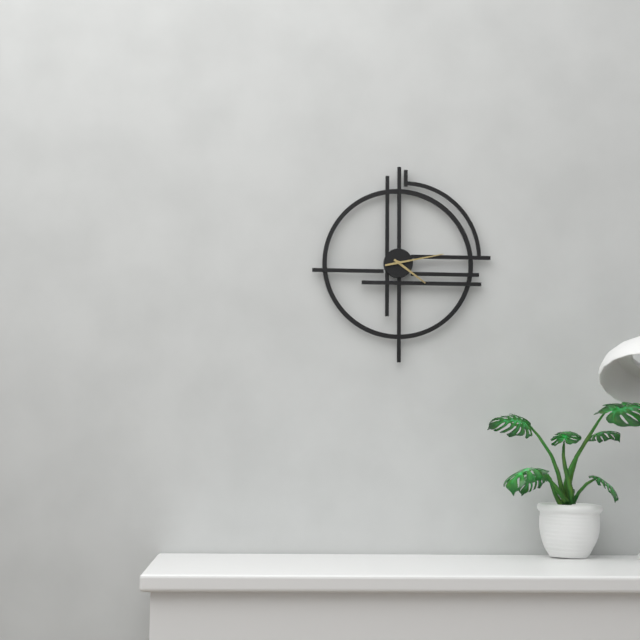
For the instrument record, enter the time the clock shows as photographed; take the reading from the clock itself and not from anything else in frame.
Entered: 4:13
